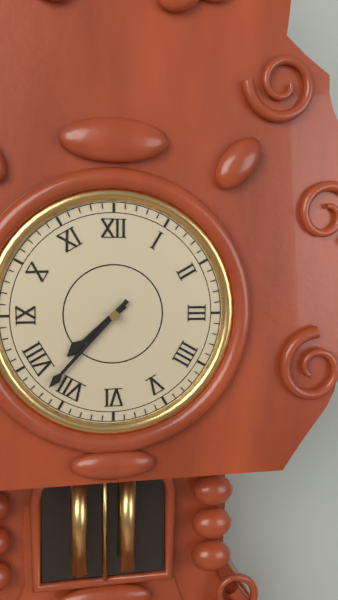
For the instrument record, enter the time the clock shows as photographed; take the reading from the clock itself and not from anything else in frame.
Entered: 7:37
